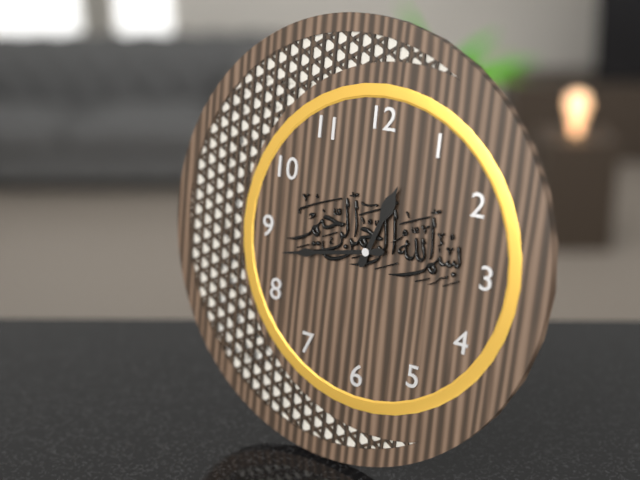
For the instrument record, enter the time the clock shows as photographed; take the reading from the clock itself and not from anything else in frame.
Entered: 12:43
